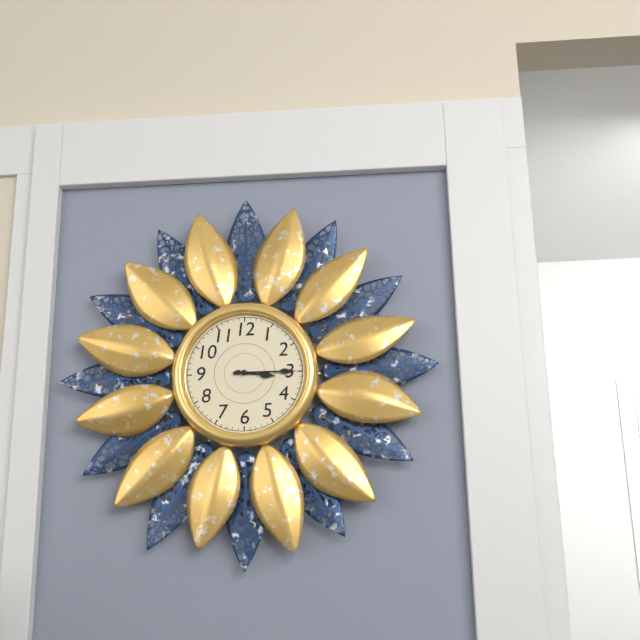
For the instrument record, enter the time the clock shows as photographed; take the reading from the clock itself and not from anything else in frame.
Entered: 3:15
